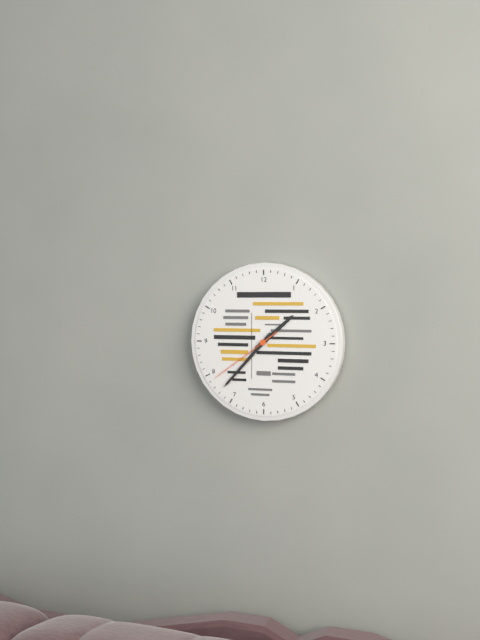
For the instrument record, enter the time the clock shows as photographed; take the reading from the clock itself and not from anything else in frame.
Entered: 1:37:39
